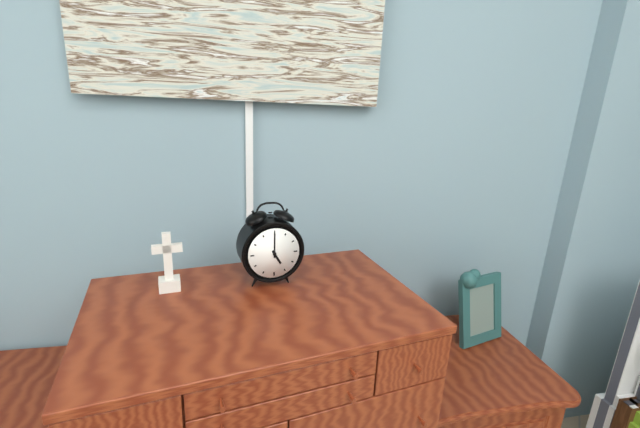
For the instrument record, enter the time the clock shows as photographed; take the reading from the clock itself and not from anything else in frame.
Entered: 5:00
